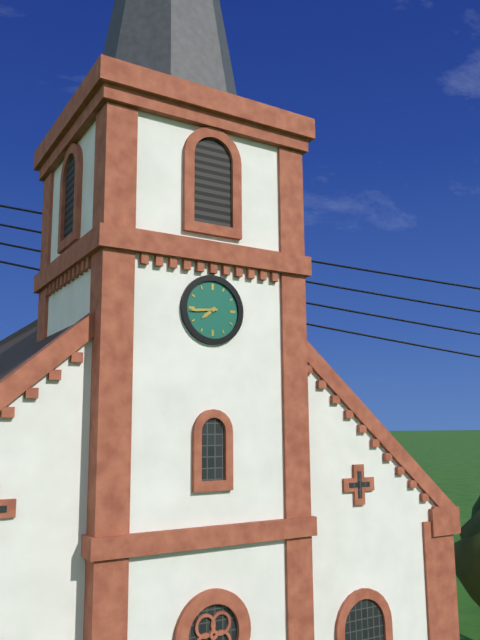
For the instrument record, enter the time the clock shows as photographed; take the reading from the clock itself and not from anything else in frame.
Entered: 7:44
